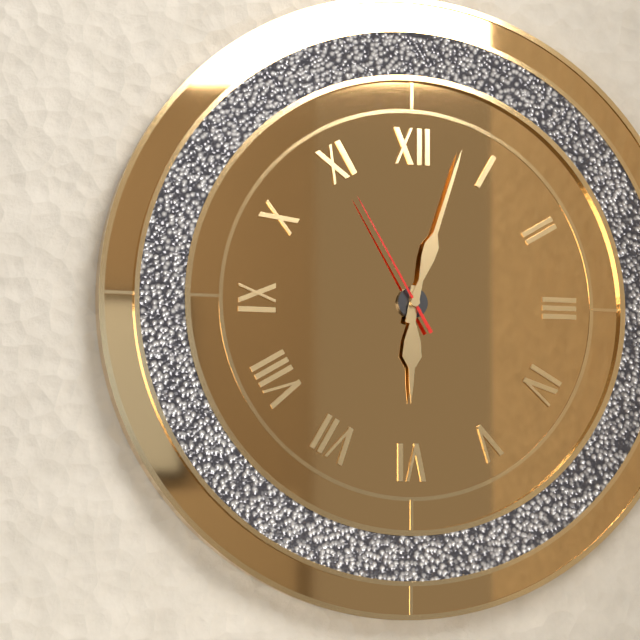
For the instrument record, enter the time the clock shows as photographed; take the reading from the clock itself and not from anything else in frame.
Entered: 6:03:55
